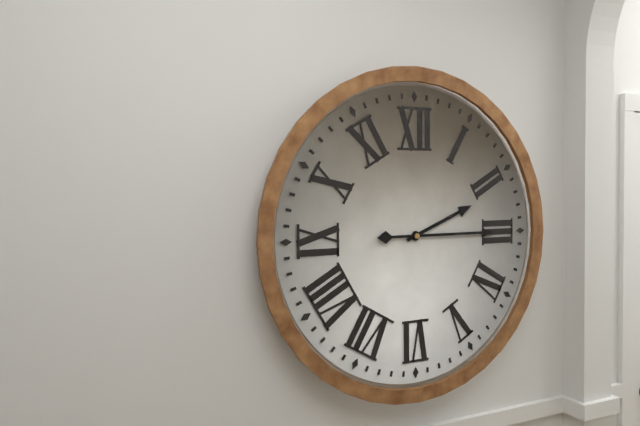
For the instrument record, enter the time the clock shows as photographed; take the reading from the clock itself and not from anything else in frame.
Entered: 2:15
